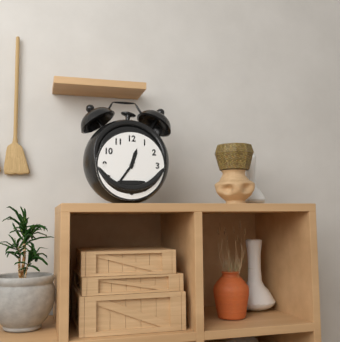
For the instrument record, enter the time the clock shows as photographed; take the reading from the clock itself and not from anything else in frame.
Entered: 12:36
